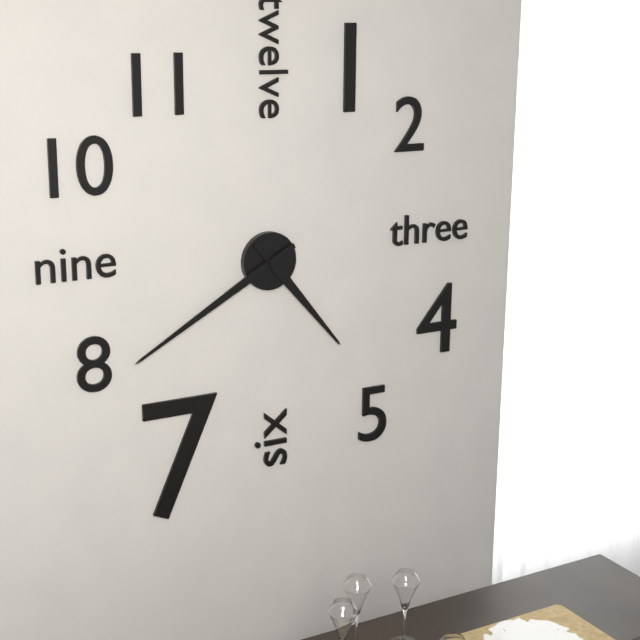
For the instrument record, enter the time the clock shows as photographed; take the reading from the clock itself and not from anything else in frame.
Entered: 4:40
